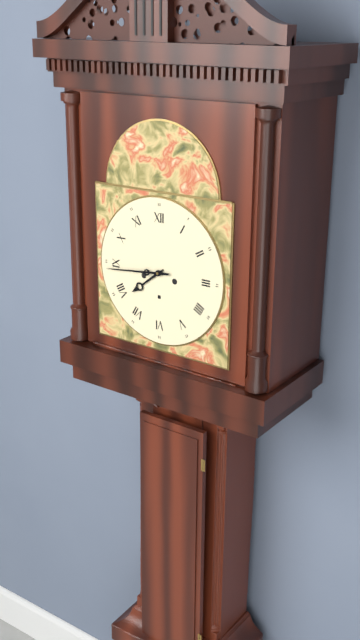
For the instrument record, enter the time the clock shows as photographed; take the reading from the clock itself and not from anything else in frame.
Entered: 7:44
